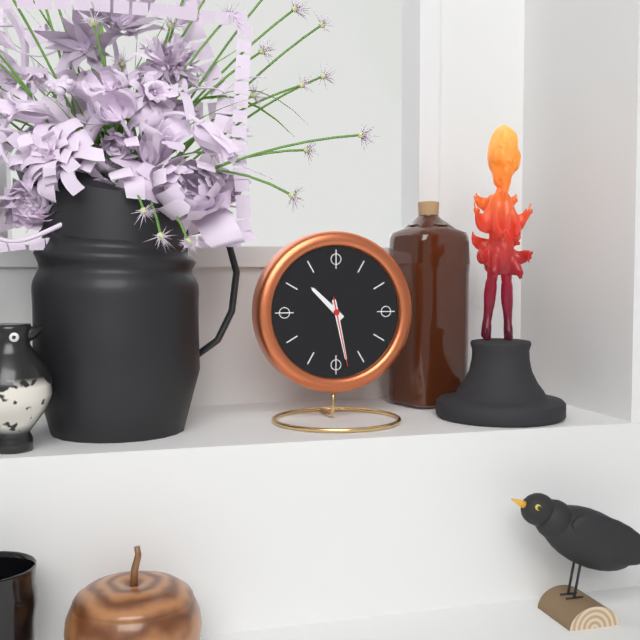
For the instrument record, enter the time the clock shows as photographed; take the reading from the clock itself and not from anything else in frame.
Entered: 10:28:28
